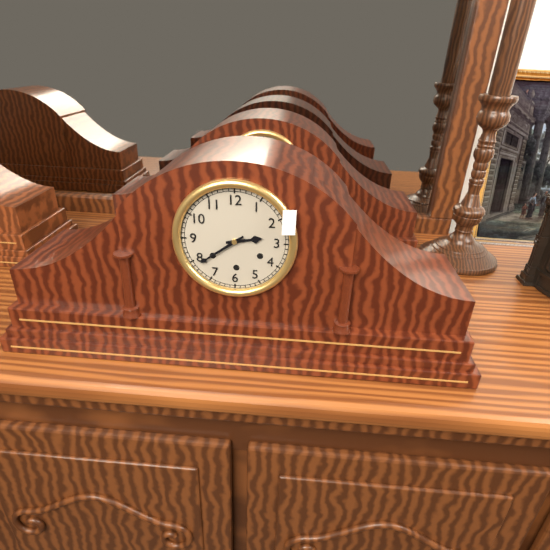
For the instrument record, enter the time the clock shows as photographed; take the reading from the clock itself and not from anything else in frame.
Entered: 2:39
